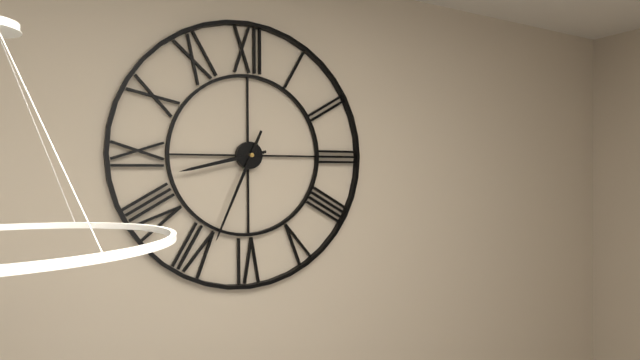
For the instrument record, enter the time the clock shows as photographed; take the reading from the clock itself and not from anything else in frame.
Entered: 8:34
